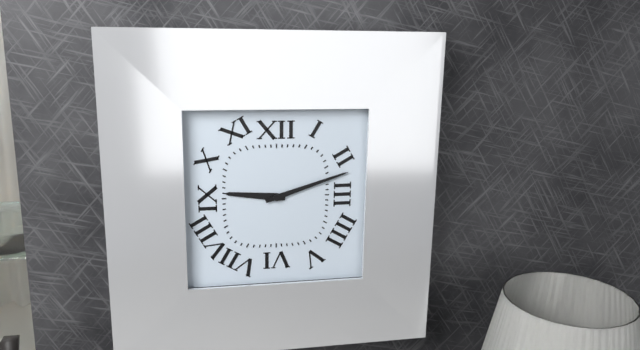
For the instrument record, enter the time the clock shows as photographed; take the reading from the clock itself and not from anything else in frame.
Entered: 9:12
